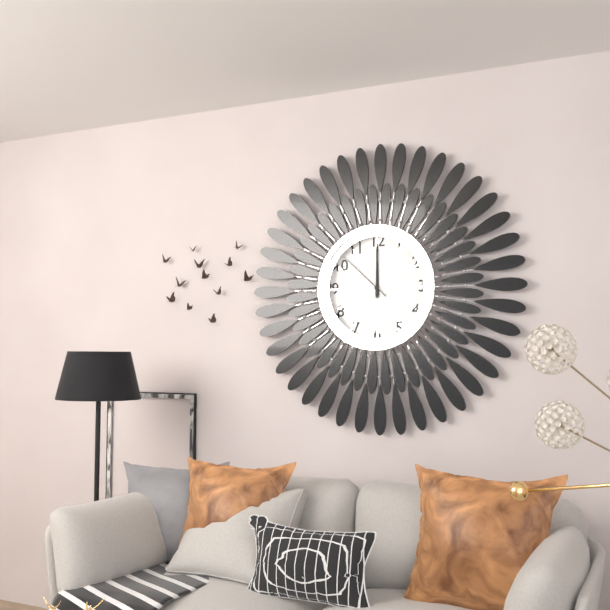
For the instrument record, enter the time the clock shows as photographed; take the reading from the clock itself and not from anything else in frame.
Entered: 12:00:52
